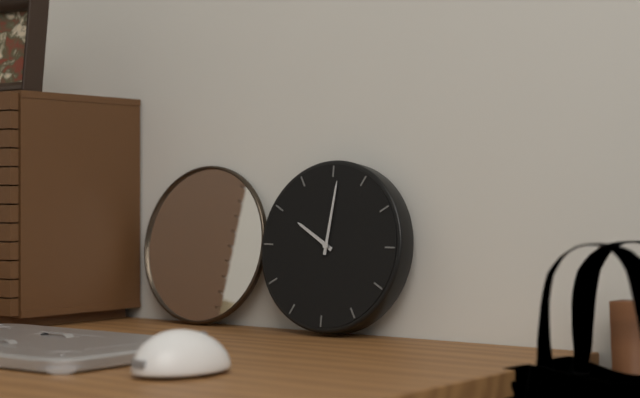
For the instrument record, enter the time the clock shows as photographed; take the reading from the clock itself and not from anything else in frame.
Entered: 10:01
